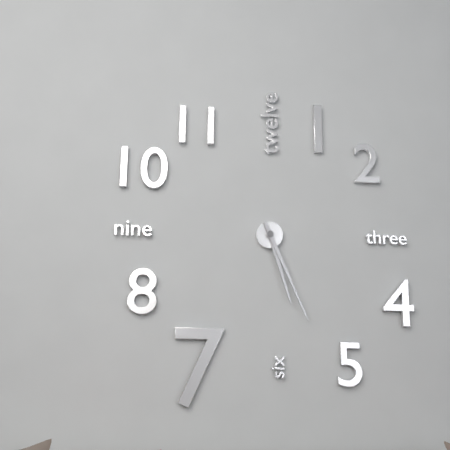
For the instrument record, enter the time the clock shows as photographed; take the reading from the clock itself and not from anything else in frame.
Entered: 5:26
